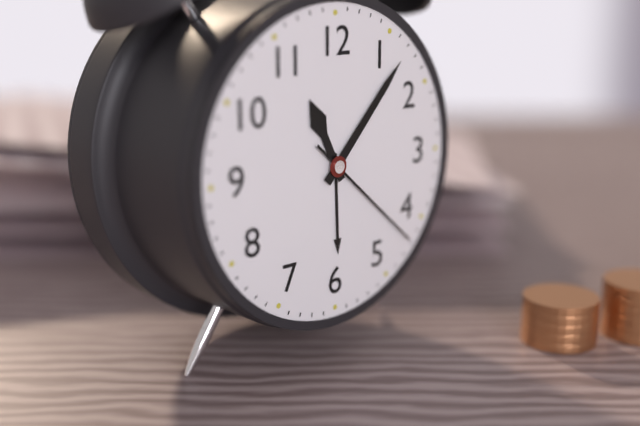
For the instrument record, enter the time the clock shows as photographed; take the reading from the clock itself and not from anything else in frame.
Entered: 11:07:22
